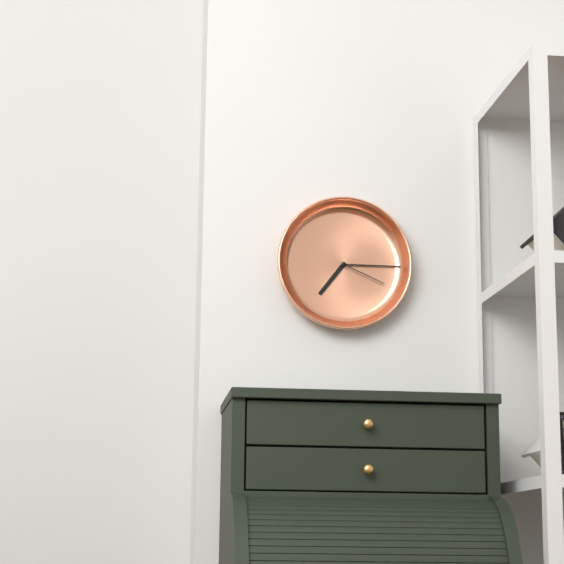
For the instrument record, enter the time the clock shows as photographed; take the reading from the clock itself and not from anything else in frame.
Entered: 7:15:19
